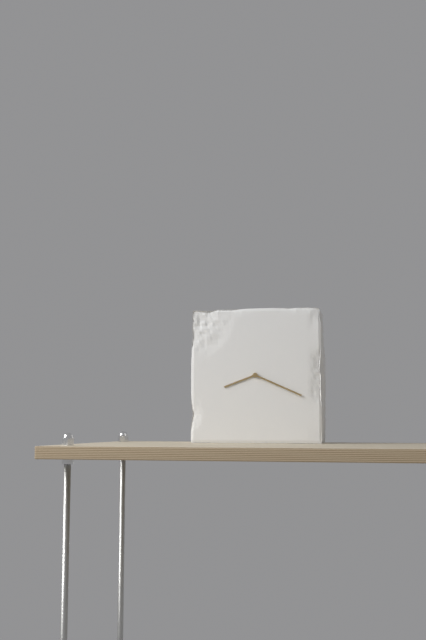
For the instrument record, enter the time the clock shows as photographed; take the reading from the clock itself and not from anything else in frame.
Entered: 8:19
